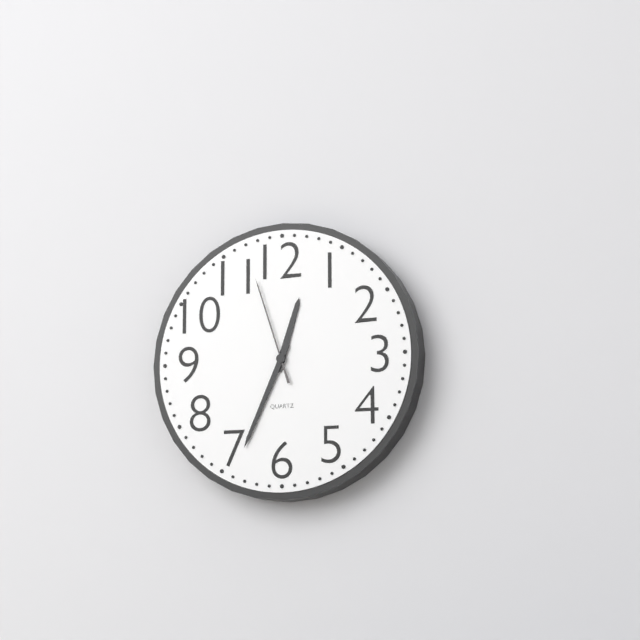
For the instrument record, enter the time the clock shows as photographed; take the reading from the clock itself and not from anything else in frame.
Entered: 12:34:57
